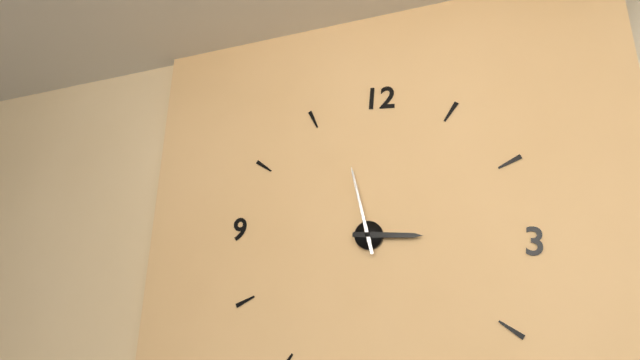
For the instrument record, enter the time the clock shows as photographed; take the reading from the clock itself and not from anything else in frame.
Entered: 2:57
